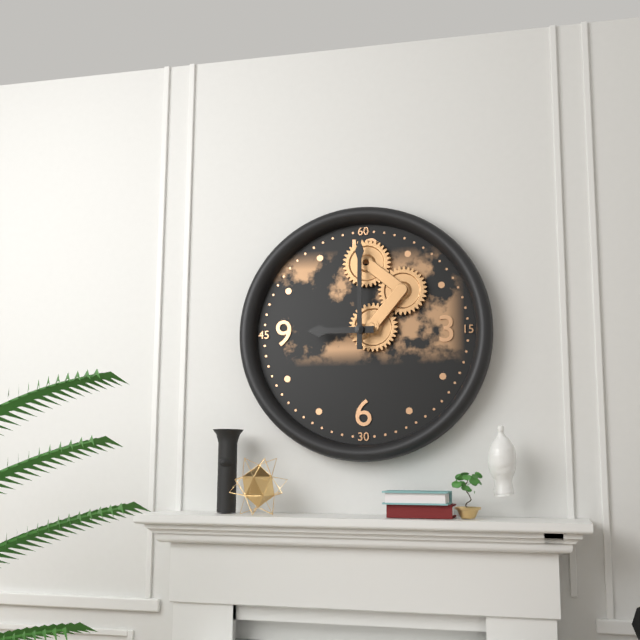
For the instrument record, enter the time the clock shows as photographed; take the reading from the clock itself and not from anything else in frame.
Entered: 9:00
